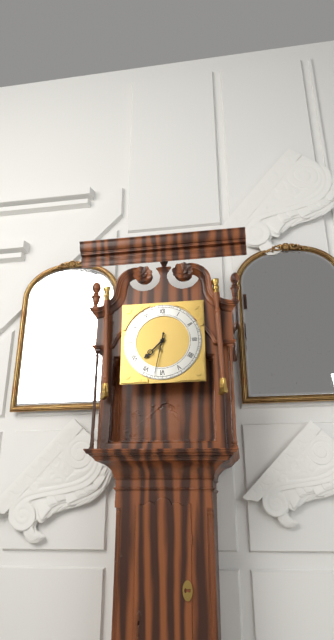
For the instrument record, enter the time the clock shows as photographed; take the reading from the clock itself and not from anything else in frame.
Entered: 7:32
